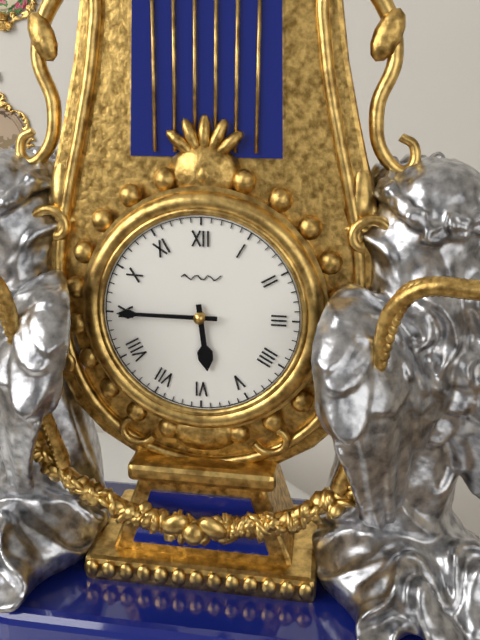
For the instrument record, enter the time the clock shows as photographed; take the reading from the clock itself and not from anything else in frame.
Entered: 5:45
